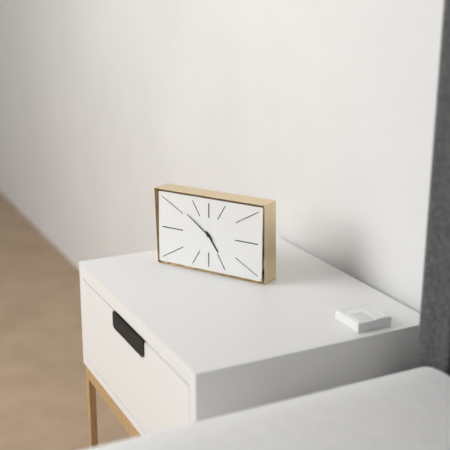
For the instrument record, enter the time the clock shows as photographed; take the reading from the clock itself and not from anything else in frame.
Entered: 4:51
